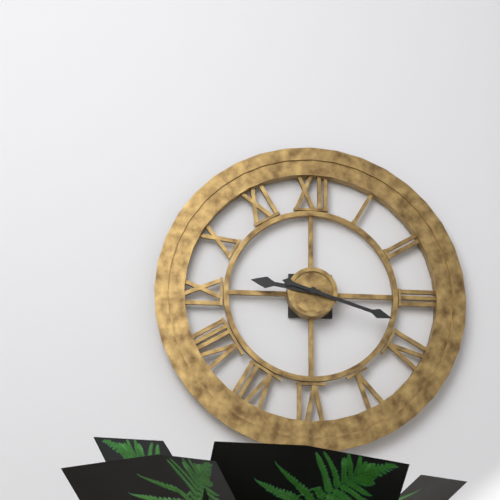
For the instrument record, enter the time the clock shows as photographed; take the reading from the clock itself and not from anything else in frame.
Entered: 9:18
